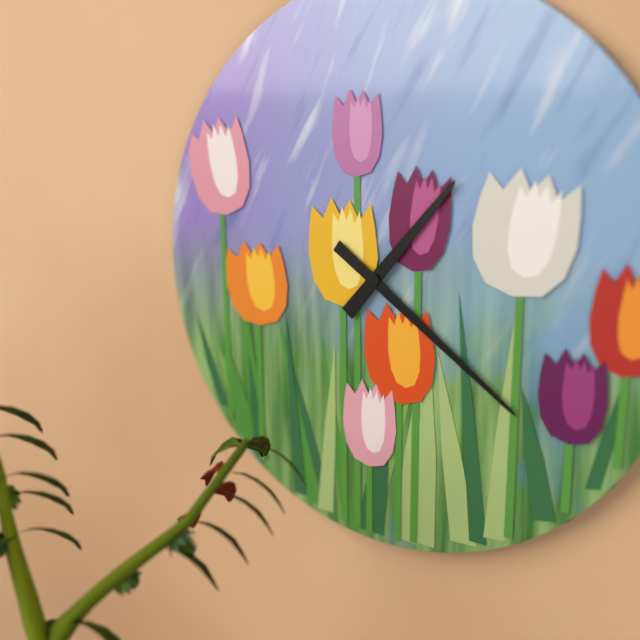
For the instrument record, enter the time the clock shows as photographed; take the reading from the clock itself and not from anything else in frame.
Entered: 1:21
